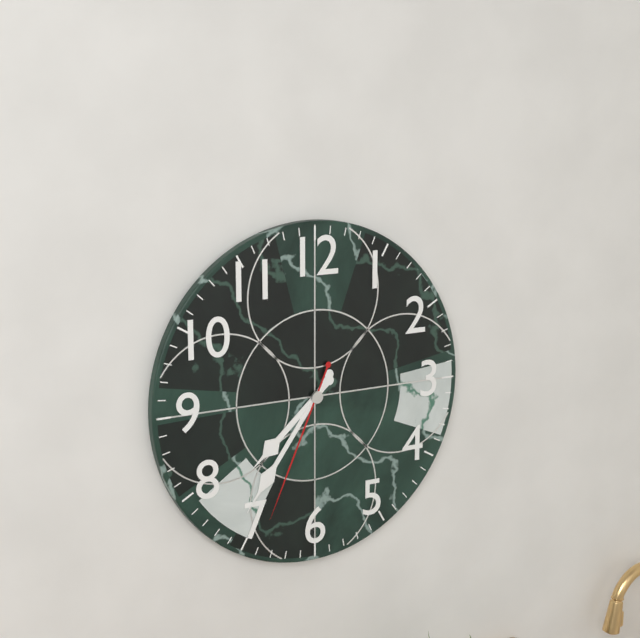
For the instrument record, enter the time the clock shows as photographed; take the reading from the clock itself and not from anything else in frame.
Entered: 7:36:34
